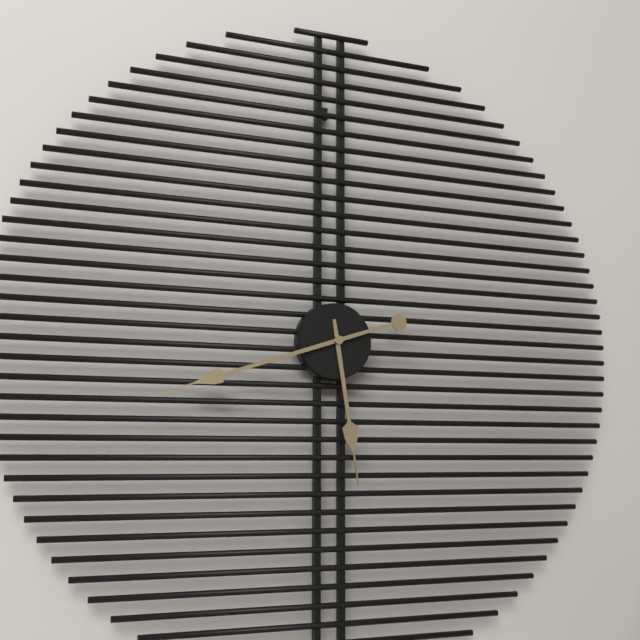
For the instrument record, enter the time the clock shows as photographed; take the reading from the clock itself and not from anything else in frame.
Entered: 5:42
